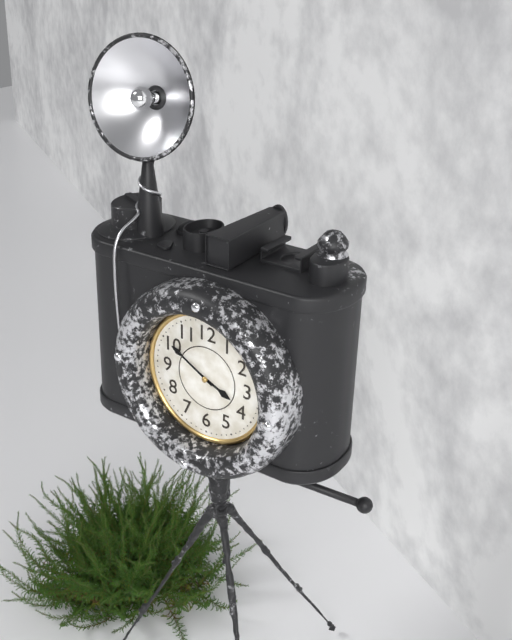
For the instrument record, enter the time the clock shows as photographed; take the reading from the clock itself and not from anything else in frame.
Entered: 3:50
